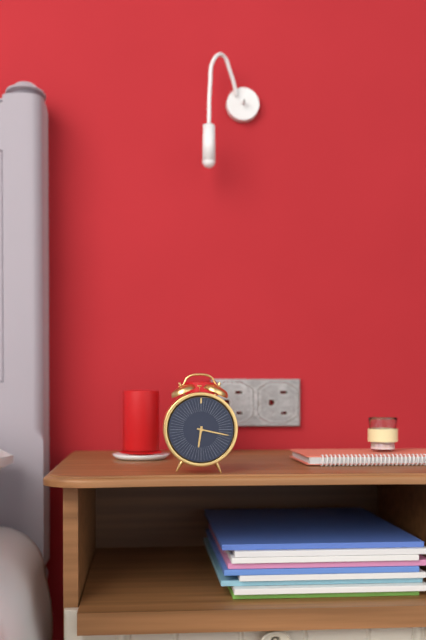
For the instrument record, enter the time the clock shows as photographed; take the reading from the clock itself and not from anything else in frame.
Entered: 6:17
